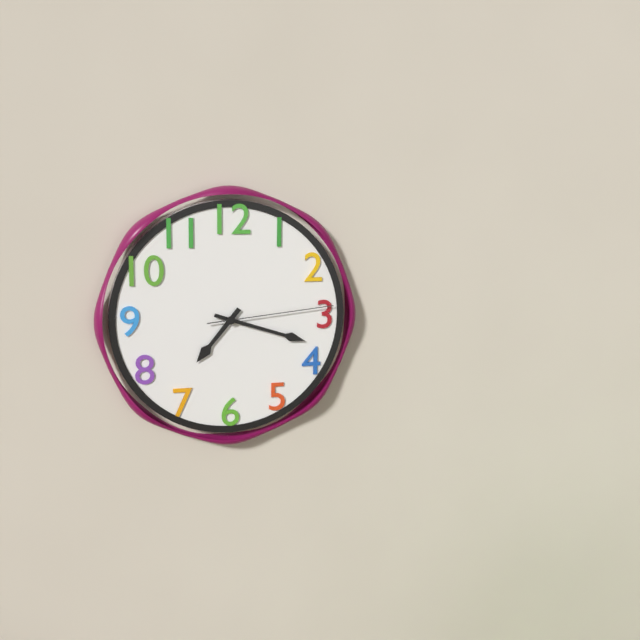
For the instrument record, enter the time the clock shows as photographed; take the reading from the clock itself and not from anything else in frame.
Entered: 7:18:14
